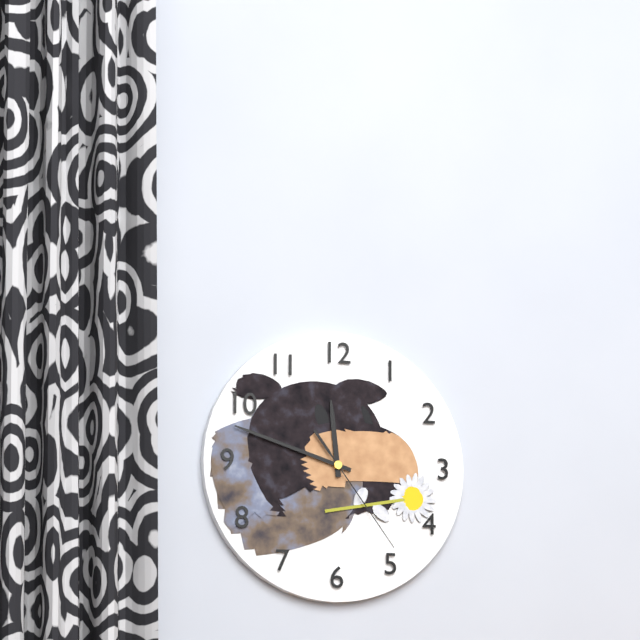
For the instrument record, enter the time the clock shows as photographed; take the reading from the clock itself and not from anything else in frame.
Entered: 11:48:24
